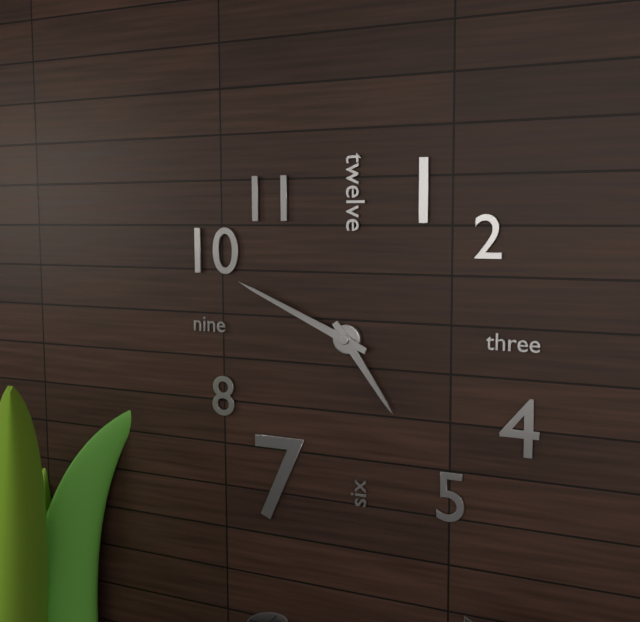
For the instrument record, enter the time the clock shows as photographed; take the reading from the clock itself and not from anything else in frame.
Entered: 4:49
